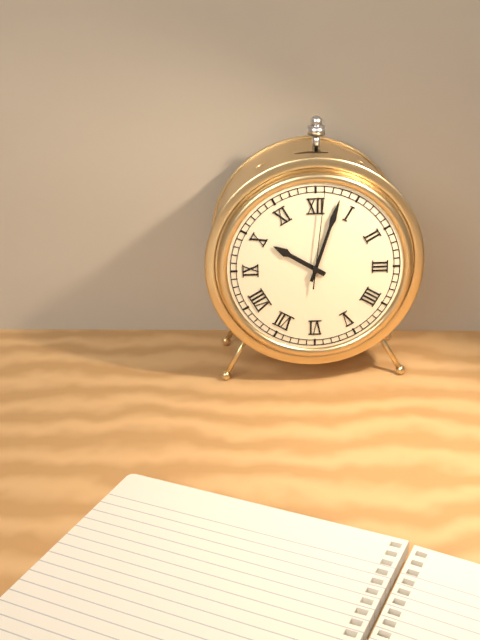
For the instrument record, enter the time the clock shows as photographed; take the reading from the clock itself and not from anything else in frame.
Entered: 10:03:01
